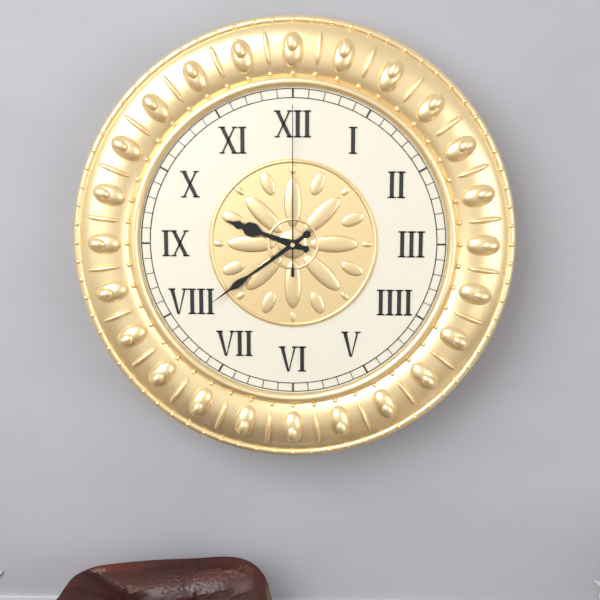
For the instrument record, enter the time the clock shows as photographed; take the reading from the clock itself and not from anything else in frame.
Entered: 9:39:00
